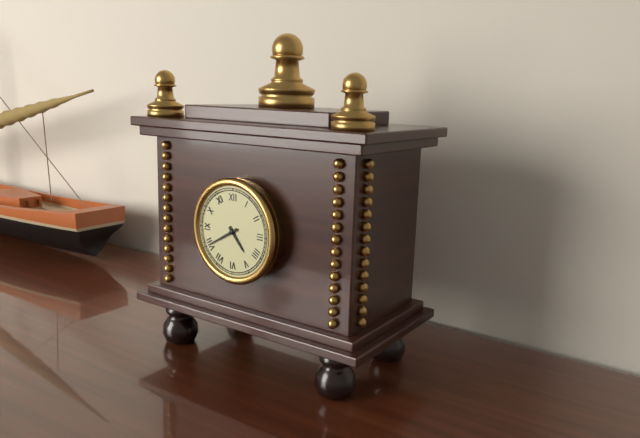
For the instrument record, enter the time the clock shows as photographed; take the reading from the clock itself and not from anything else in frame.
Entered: 4:40
